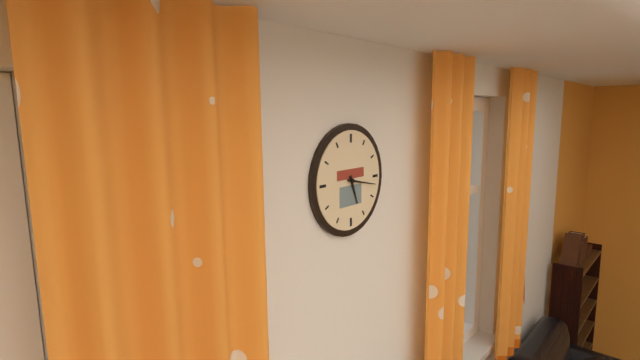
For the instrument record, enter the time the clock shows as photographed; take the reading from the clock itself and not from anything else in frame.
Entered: 5:17
